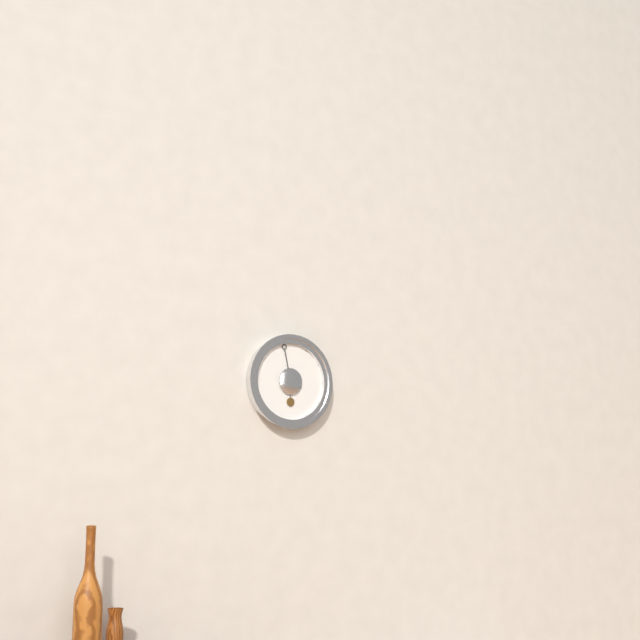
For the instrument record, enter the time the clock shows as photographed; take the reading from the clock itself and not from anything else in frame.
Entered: 5:58
